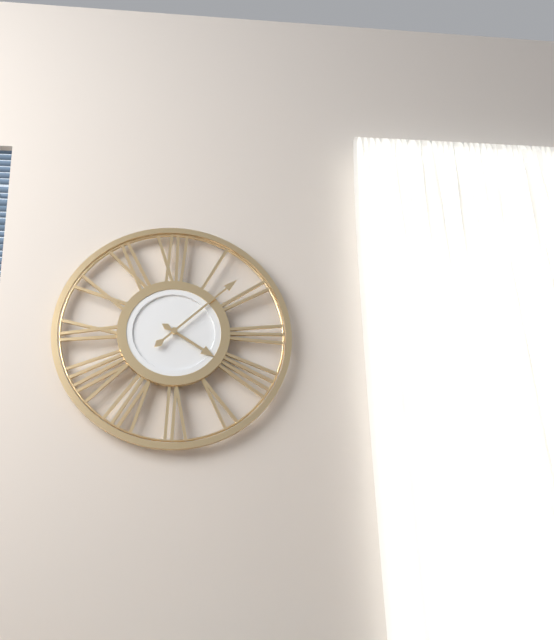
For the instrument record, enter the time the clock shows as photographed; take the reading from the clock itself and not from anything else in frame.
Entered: 4:08
